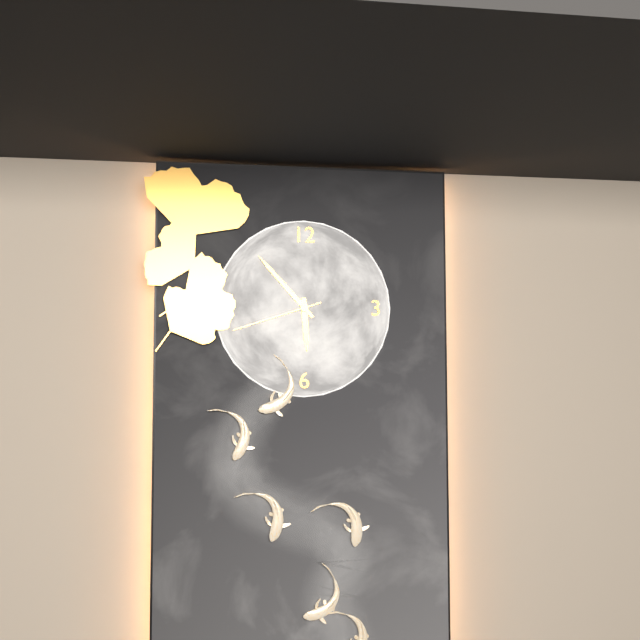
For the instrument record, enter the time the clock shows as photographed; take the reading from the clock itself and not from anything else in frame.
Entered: 5:53:42
